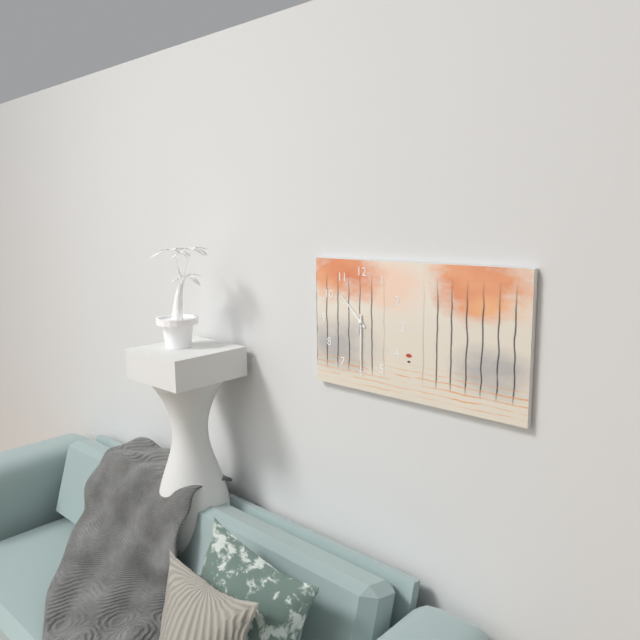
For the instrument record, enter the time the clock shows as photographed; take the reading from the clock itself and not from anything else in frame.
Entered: 10:30
